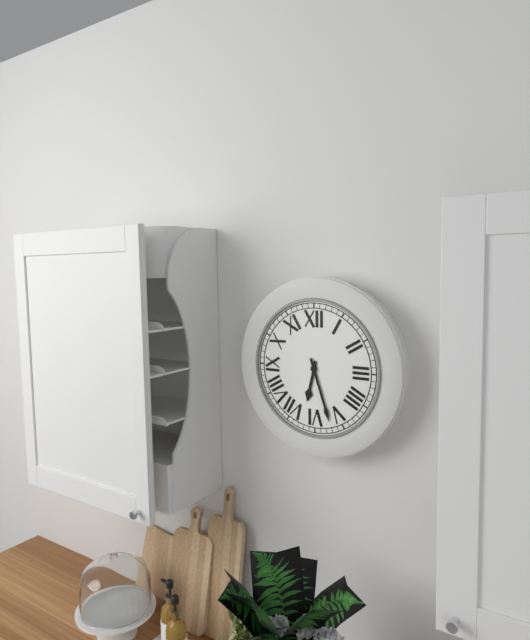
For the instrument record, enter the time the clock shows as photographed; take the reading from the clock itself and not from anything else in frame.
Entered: 6:27
